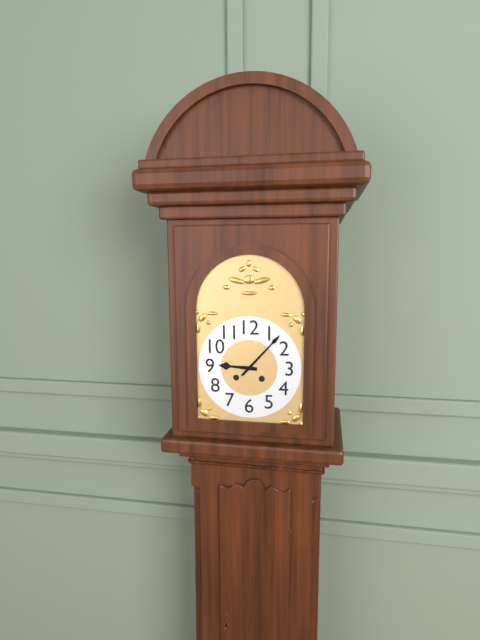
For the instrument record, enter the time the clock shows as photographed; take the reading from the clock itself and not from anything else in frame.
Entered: 9:07
